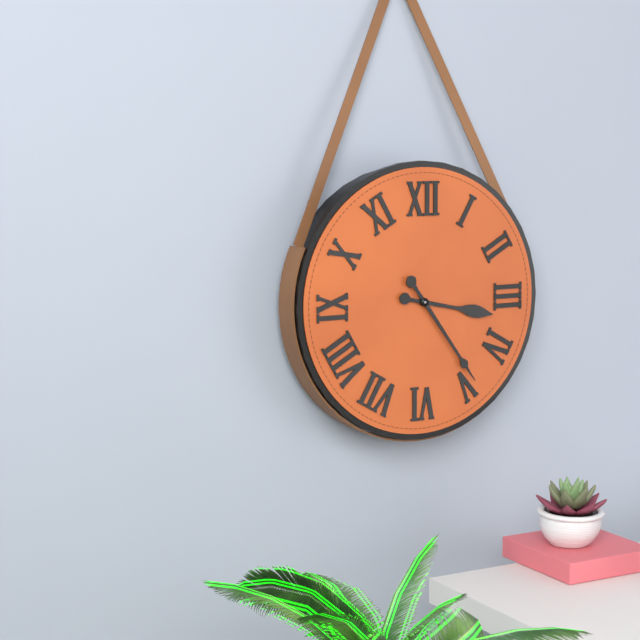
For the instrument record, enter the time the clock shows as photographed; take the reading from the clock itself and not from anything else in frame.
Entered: 3:24
